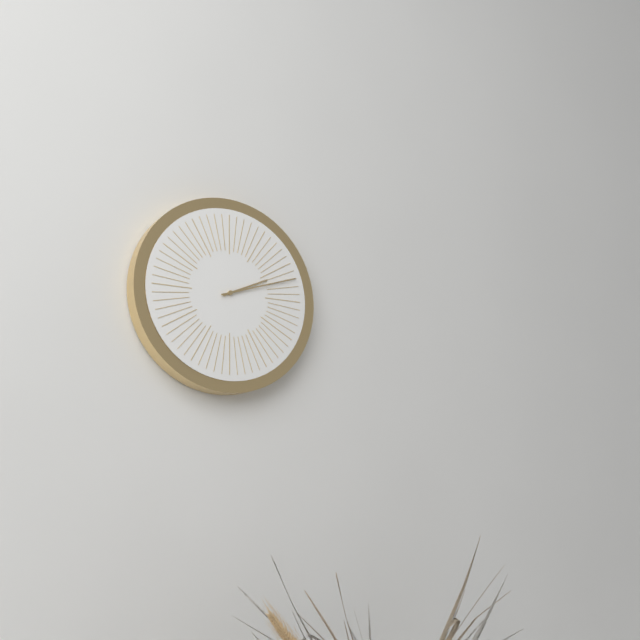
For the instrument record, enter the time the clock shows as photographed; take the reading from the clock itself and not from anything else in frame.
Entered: 2:12
